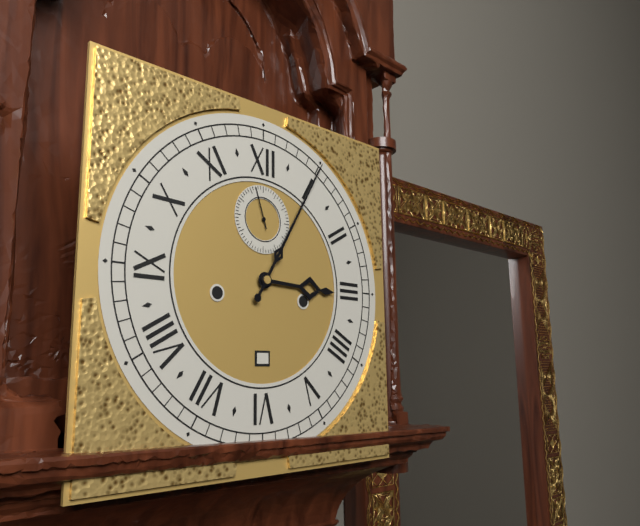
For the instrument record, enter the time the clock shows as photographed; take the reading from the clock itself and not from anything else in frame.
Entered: 3:05
